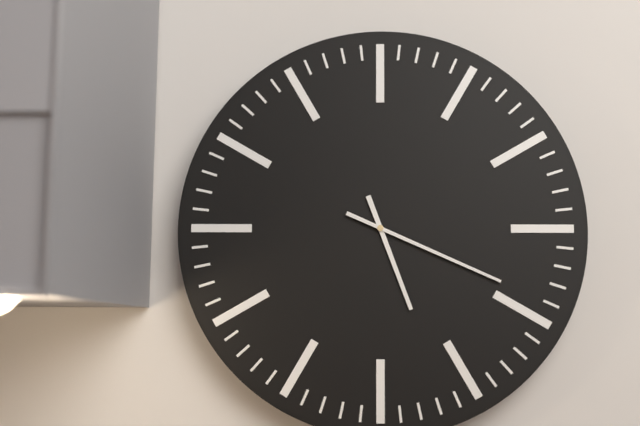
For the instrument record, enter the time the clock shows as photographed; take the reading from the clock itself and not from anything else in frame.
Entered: 5:19
